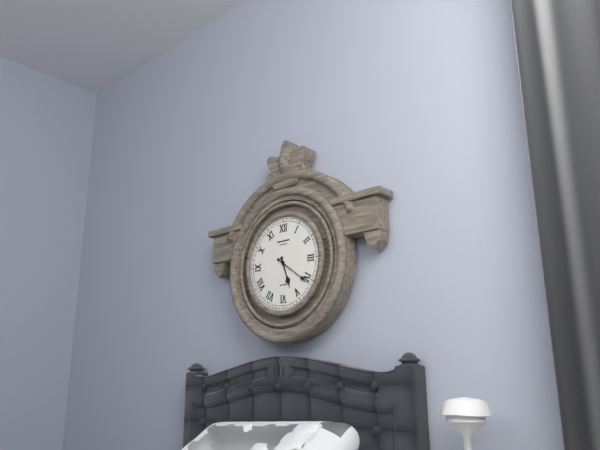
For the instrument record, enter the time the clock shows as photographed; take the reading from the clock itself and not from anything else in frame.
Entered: 5:21
